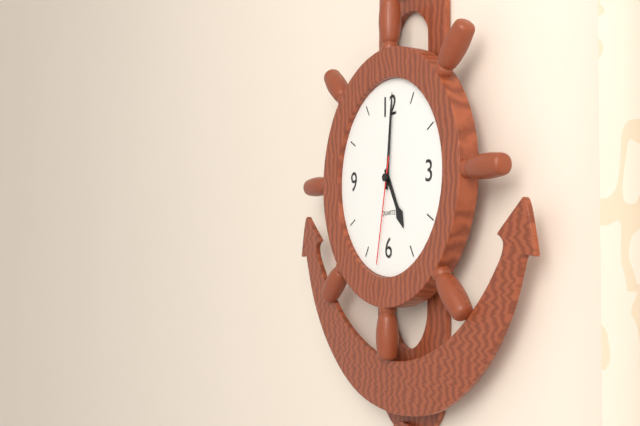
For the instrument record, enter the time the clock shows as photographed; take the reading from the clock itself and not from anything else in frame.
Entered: 5:01:32
